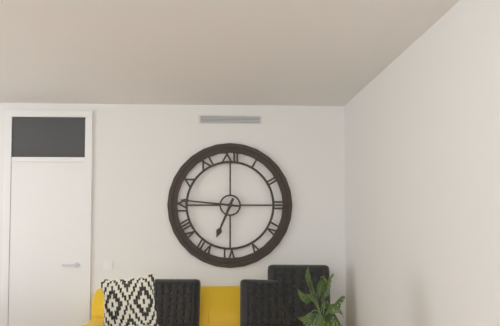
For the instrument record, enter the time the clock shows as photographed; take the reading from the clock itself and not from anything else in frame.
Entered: 6:46
